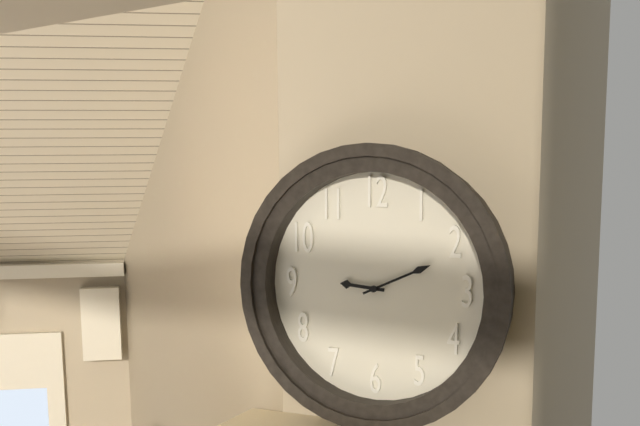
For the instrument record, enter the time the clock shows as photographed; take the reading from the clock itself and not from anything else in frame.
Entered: 9:11
